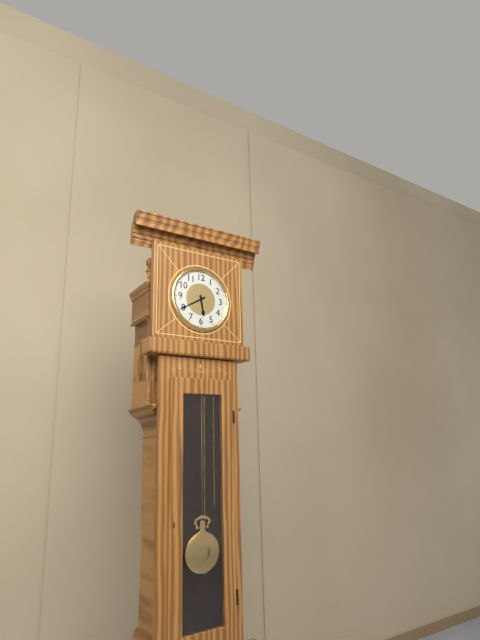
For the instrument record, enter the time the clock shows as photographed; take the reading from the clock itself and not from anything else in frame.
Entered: 5:40
